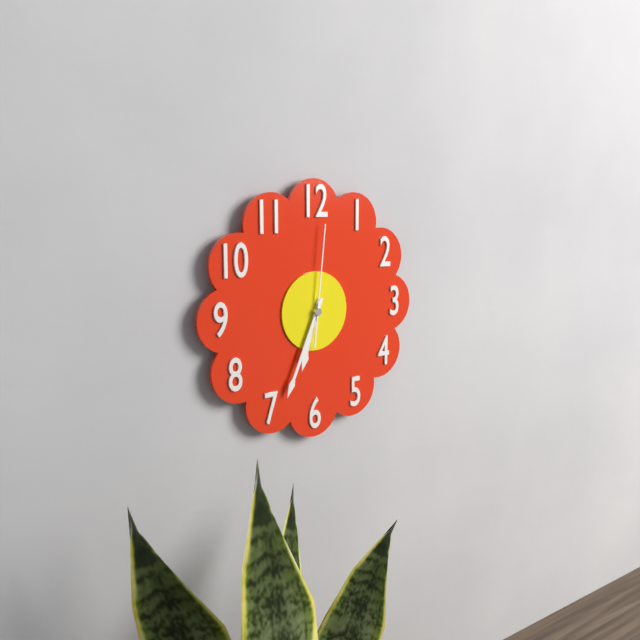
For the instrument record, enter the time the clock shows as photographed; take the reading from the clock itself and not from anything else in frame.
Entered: 6:34:01
